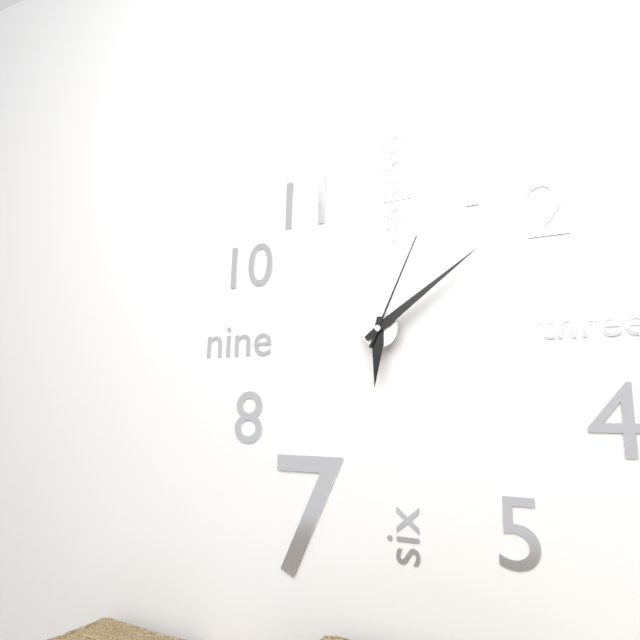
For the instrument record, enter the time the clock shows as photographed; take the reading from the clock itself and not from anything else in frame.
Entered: 6:09:04
